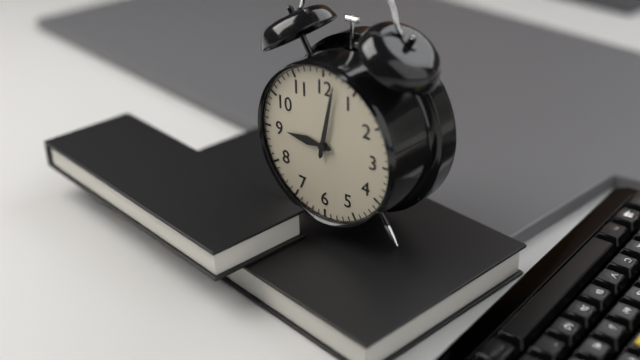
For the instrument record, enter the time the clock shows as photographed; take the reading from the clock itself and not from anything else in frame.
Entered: 9:02
